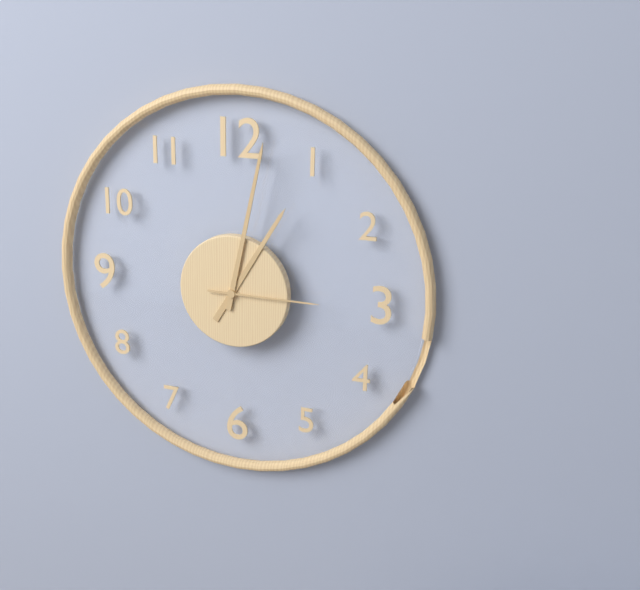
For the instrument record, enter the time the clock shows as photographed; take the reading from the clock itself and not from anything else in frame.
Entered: 1:02:15
